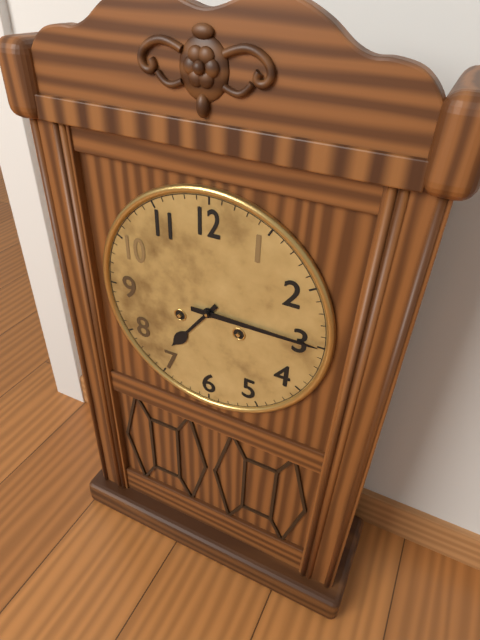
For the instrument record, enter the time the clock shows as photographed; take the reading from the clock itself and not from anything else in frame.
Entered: 7:15
